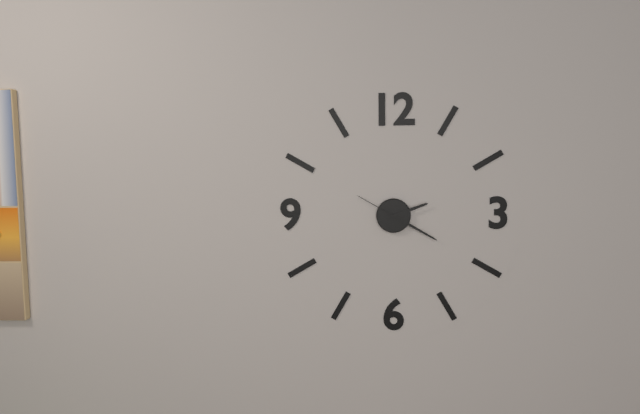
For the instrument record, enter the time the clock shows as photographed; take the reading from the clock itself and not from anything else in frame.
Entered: 2:20:50
